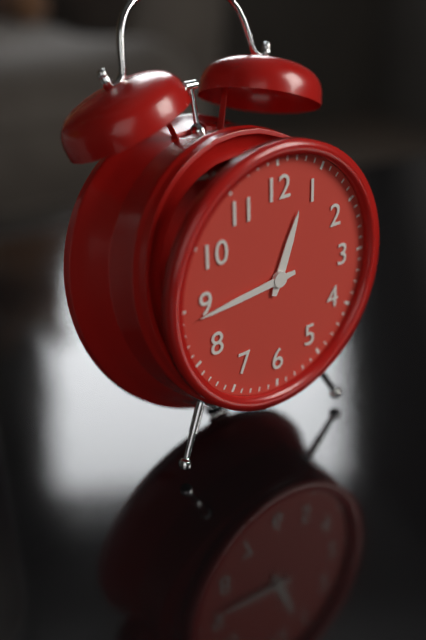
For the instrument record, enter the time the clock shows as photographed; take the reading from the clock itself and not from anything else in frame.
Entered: 12:44
